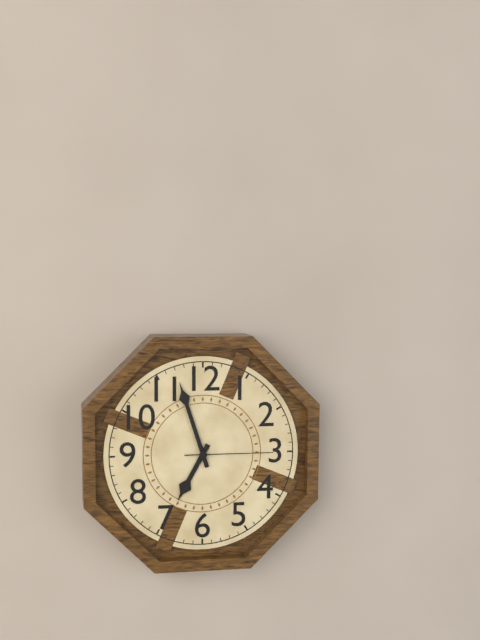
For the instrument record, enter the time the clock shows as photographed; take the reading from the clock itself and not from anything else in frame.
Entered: 6:57:15
